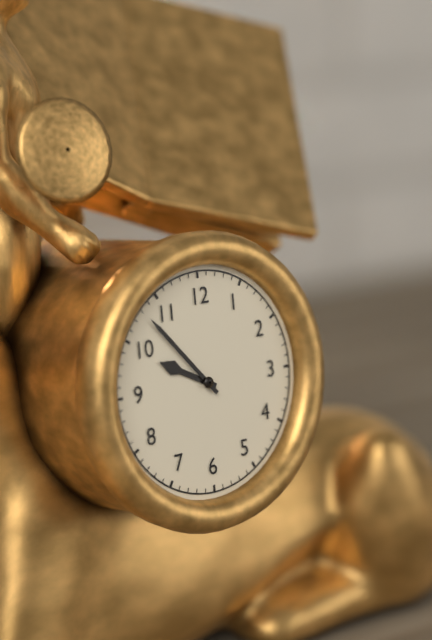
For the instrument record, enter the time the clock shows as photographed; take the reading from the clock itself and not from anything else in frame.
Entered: 9:53
